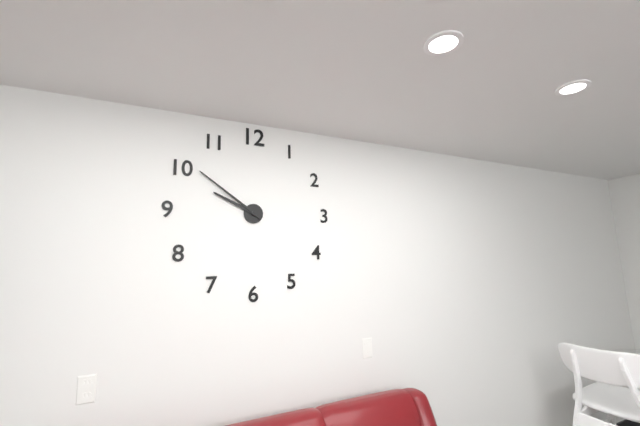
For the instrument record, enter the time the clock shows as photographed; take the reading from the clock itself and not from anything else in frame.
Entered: 9:51
